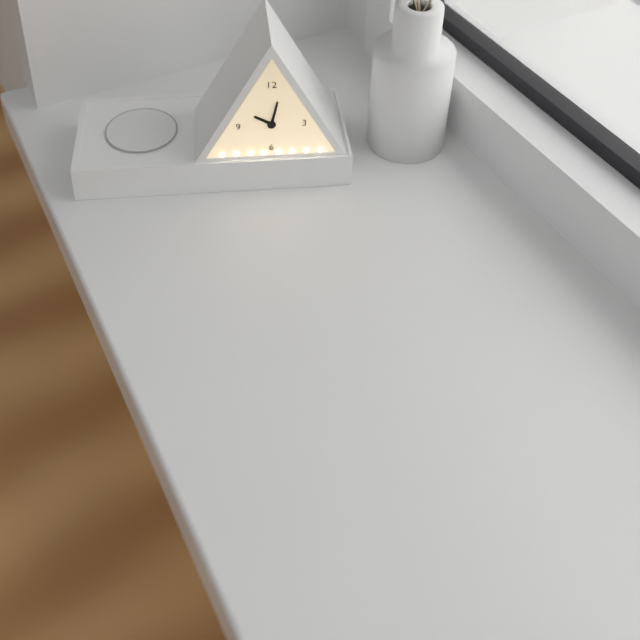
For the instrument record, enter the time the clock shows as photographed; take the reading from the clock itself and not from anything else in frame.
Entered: 10:02
